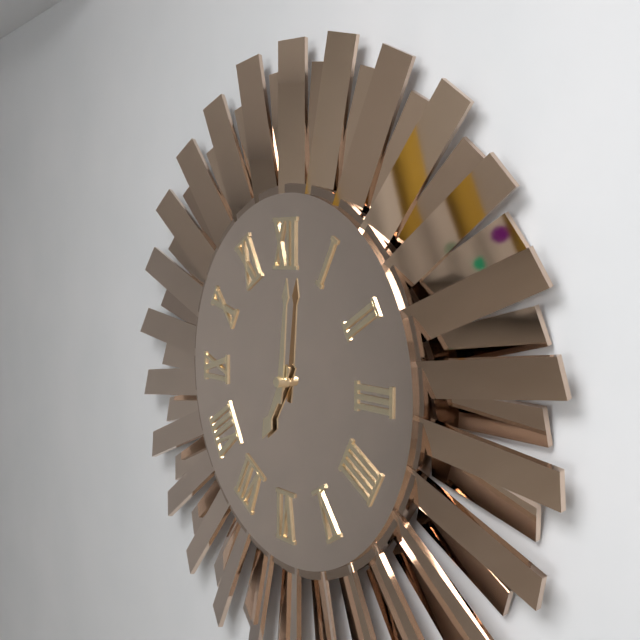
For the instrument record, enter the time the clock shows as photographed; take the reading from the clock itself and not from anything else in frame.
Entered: 7:01
